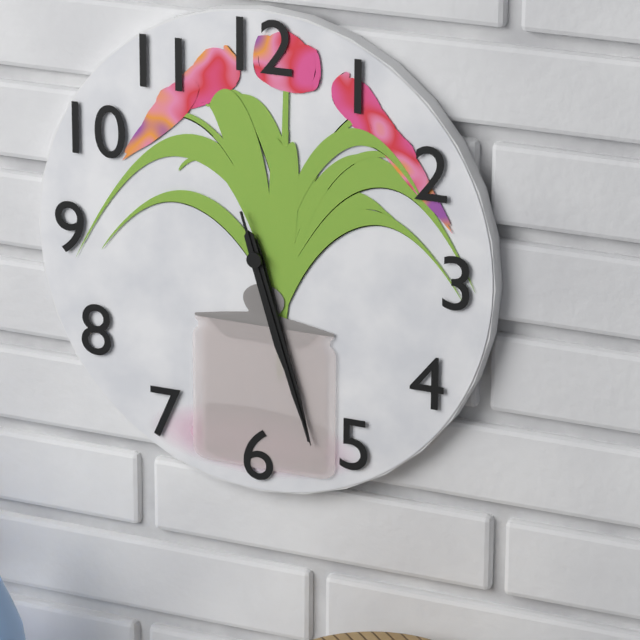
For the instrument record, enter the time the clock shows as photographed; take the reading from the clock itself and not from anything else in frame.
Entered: 5:27:27
